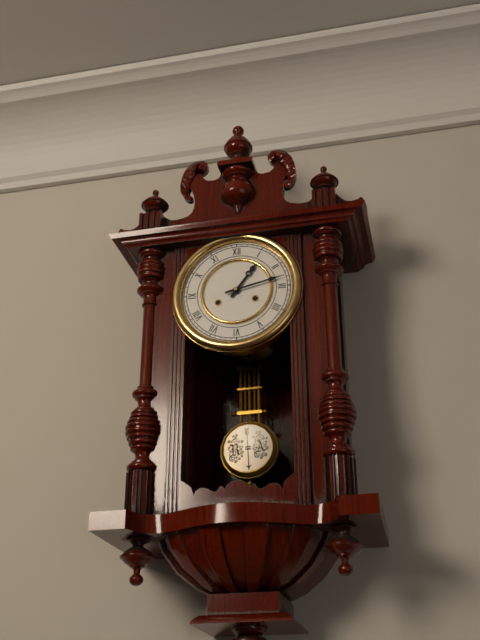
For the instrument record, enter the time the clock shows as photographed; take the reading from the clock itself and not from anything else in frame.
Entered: 1:13
